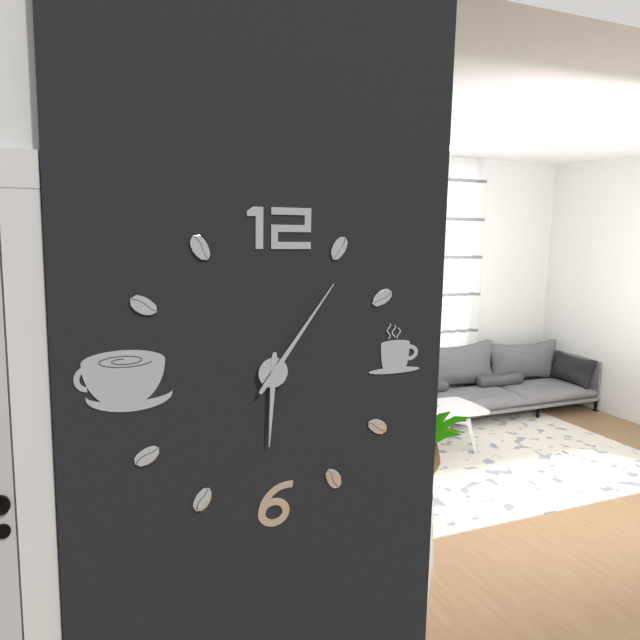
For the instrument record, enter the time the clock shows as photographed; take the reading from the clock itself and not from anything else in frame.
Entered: 6:06
